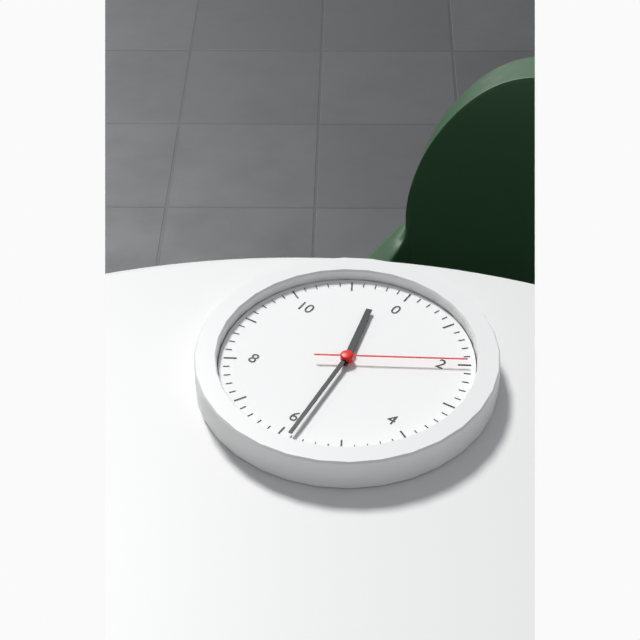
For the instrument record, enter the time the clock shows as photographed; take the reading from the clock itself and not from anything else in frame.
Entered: 11:29:10
